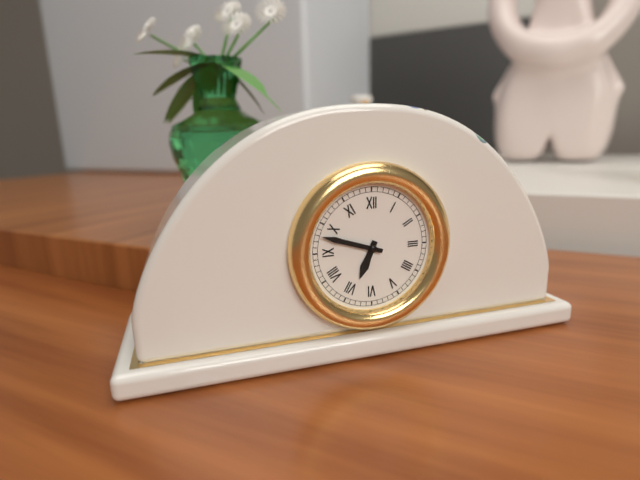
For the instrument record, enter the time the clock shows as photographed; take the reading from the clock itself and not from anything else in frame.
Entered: 6:48
